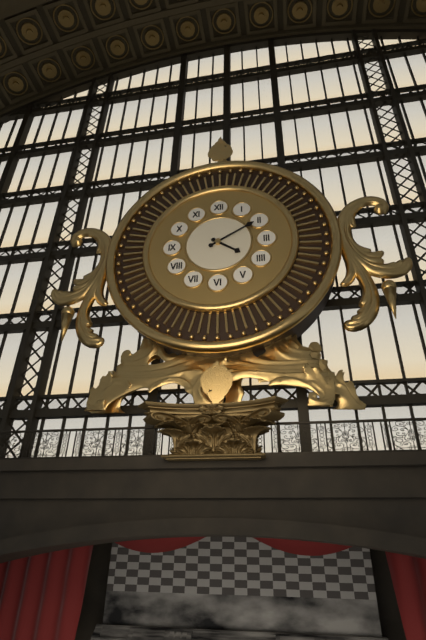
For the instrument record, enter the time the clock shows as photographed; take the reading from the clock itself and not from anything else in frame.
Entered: 4:10
